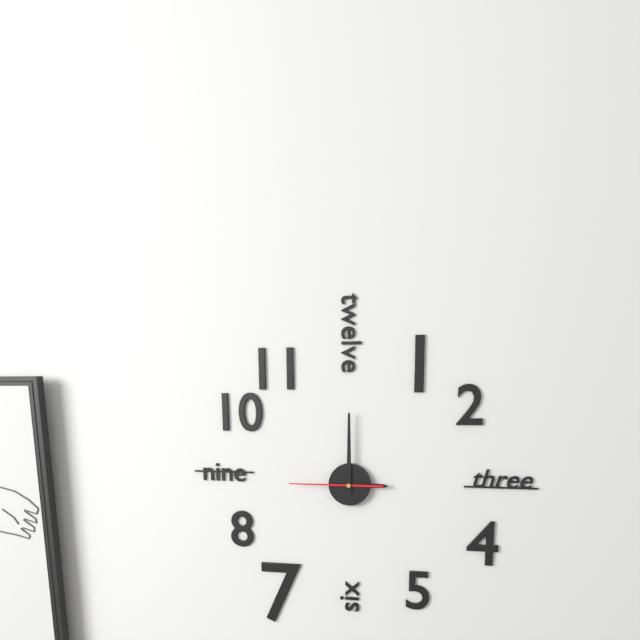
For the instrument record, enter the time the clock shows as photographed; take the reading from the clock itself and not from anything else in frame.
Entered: 3:00:45
